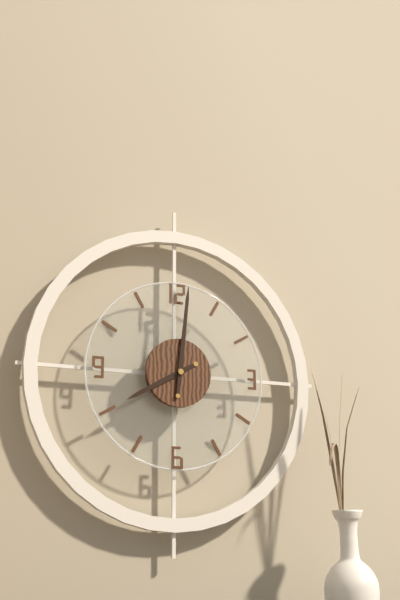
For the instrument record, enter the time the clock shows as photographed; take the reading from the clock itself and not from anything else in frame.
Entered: 8:01
